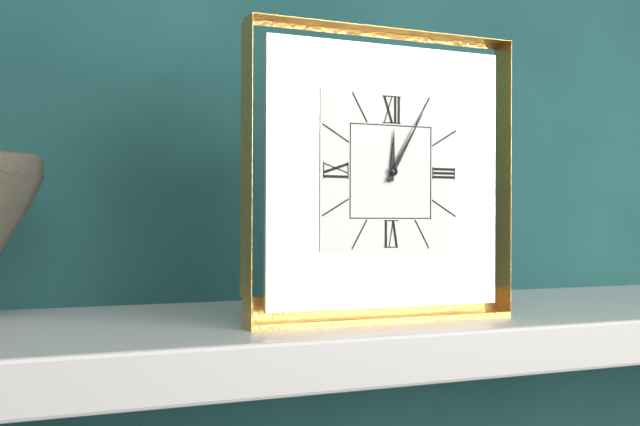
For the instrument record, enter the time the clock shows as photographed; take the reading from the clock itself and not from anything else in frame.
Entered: 12:05
